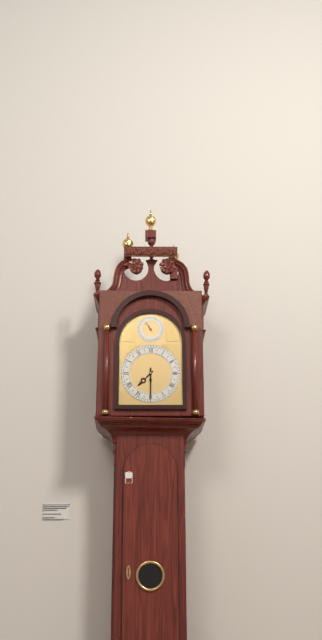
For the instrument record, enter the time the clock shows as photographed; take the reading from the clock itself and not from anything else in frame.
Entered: 7:30
